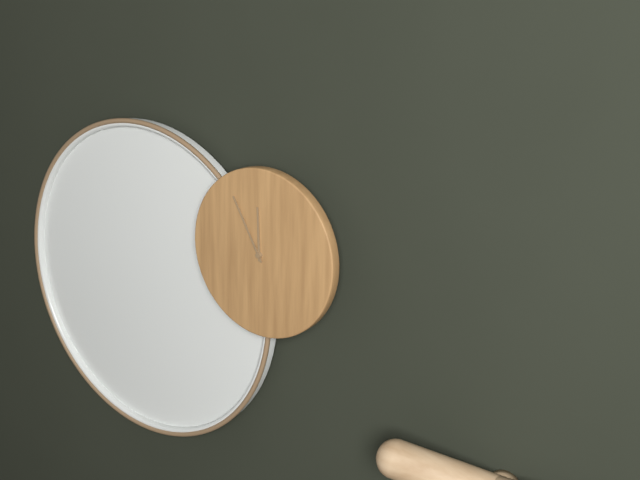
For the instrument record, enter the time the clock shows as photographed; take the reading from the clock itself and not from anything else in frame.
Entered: 11:55
